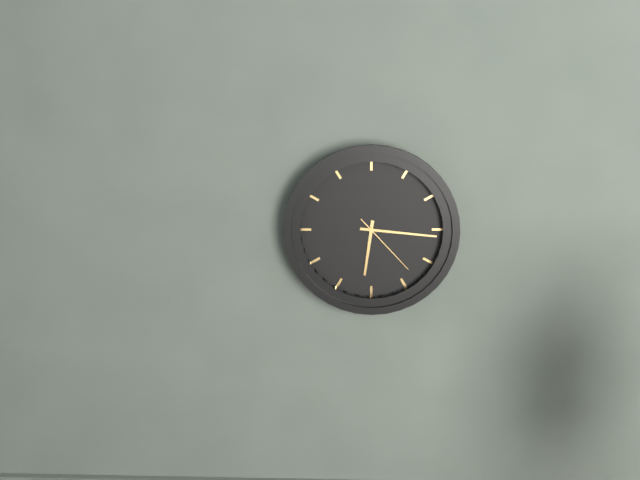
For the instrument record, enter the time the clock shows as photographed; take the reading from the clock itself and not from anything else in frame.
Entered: 6:16:23
